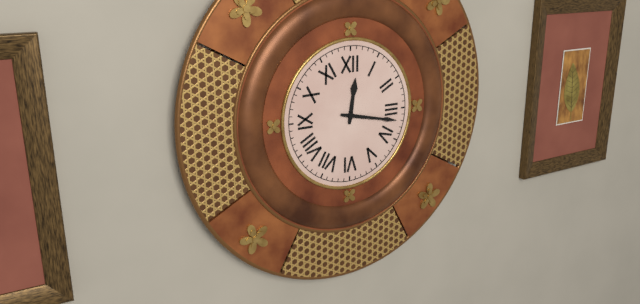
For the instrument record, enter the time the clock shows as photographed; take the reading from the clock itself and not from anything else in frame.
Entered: 12:17
